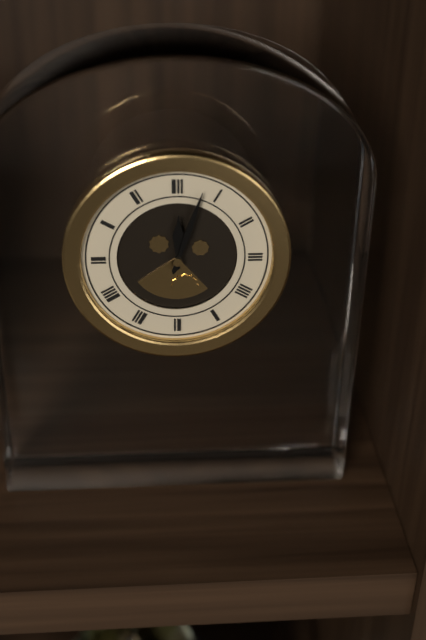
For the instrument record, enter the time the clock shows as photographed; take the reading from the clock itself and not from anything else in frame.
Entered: 12:03
